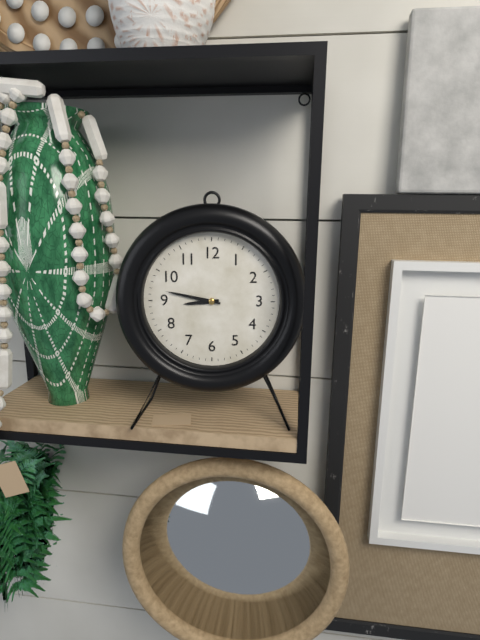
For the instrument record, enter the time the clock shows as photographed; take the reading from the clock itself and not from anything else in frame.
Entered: 8:47
